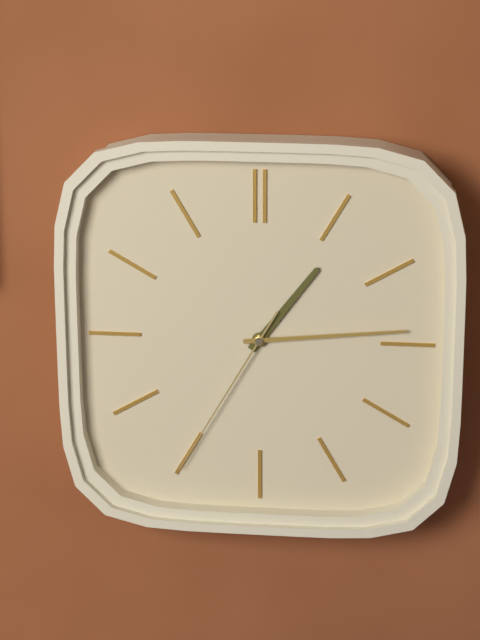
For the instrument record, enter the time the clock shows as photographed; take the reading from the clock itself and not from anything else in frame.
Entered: 1:14:35
